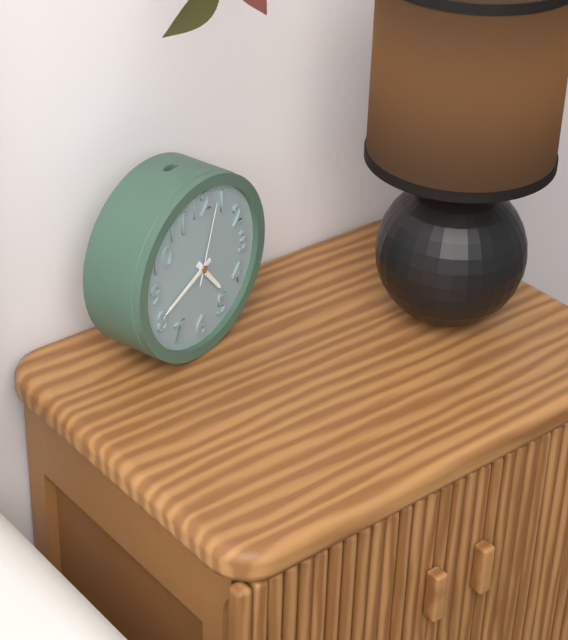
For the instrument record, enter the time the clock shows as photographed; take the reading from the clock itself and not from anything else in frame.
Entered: 4:41:03
